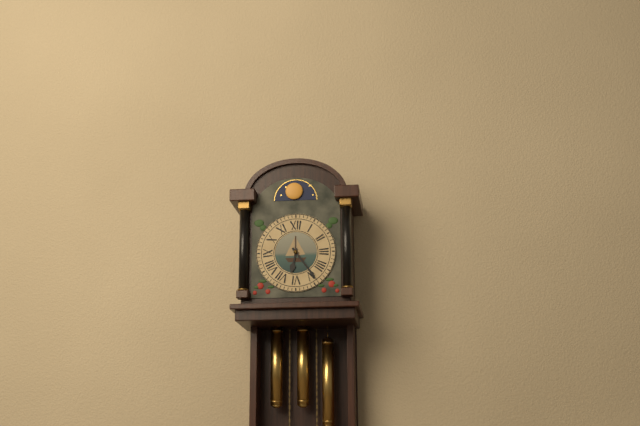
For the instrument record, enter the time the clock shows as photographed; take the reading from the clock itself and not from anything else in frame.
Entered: 6:24
